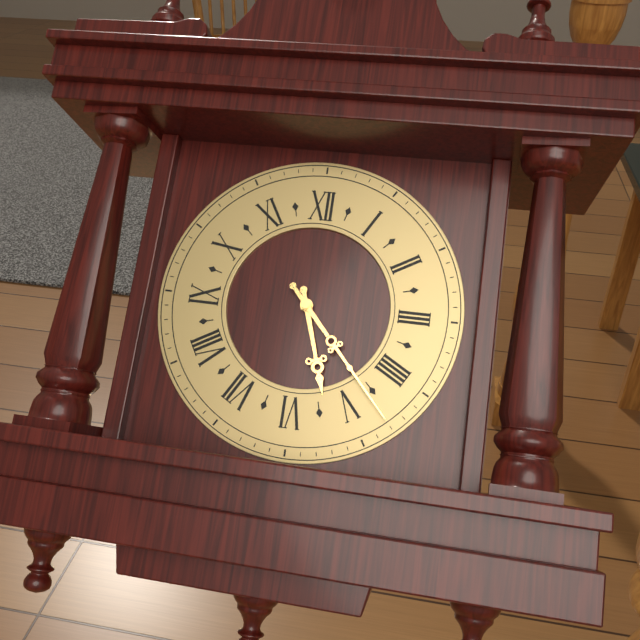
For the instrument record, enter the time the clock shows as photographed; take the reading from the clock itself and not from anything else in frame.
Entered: 5:23
